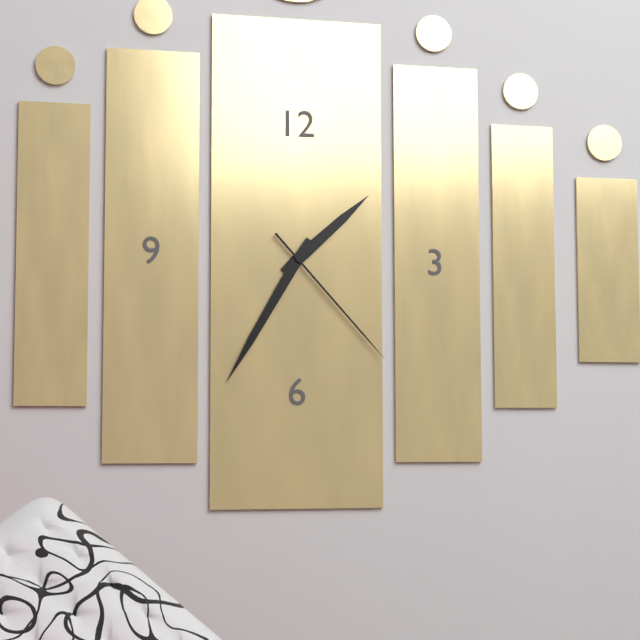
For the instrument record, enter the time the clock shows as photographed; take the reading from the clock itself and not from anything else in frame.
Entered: 1:35:23
